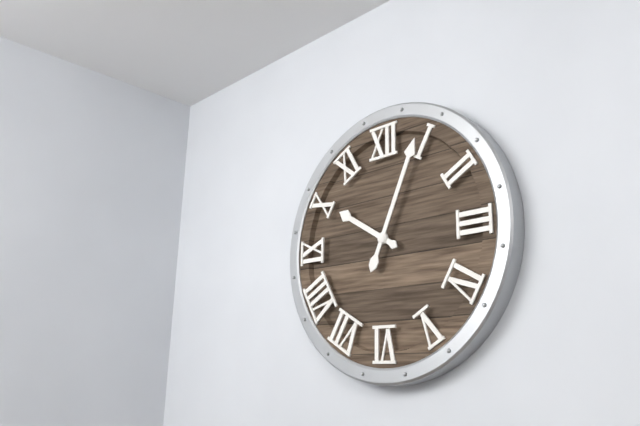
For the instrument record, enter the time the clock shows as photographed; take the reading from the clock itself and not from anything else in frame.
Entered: 10:04
